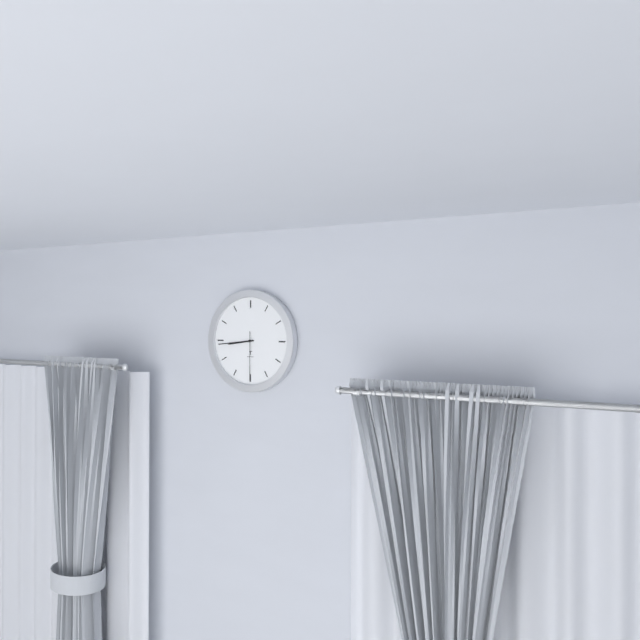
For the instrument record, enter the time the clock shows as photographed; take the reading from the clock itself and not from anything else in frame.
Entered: 8:44:30
